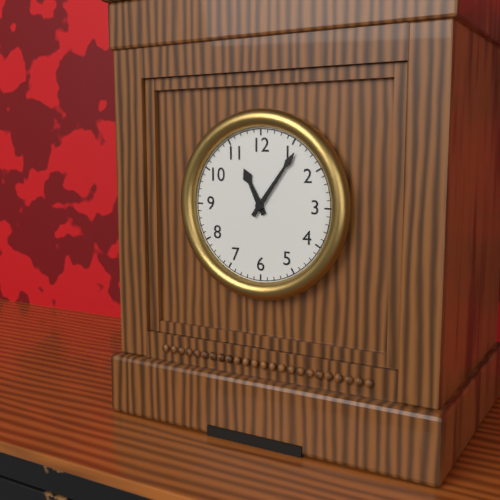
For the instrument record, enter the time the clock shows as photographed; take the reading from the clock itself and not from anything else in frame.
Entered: 11:06
